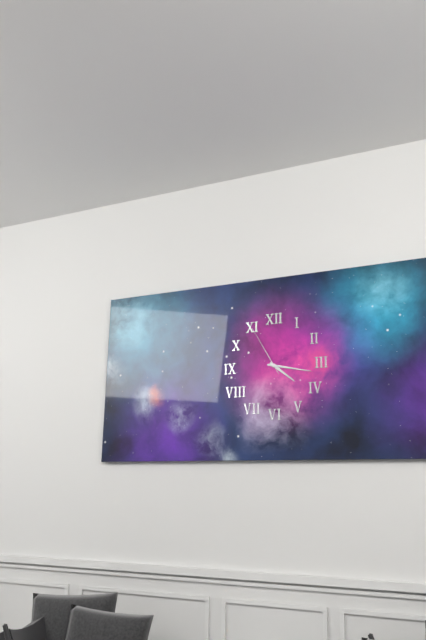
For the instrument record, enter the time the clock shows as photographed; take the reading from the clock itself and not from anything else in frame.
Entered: 4:17:55
